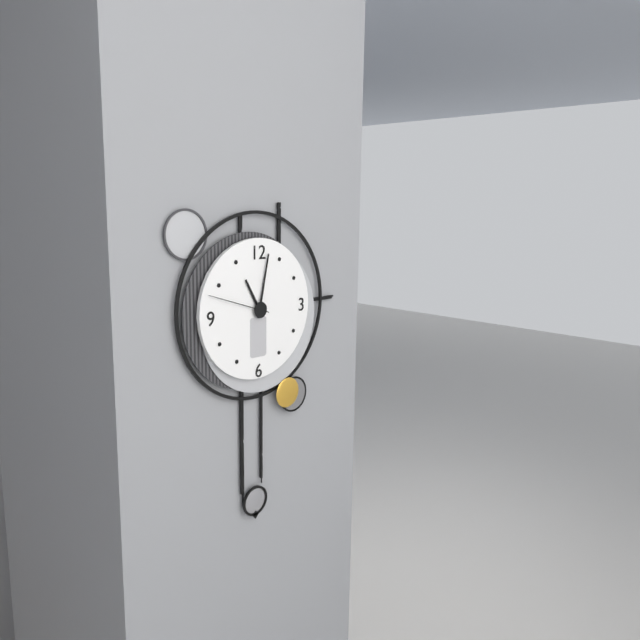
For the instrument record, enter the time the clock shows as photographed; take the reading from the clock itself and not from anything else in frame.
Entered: 11:02:48
